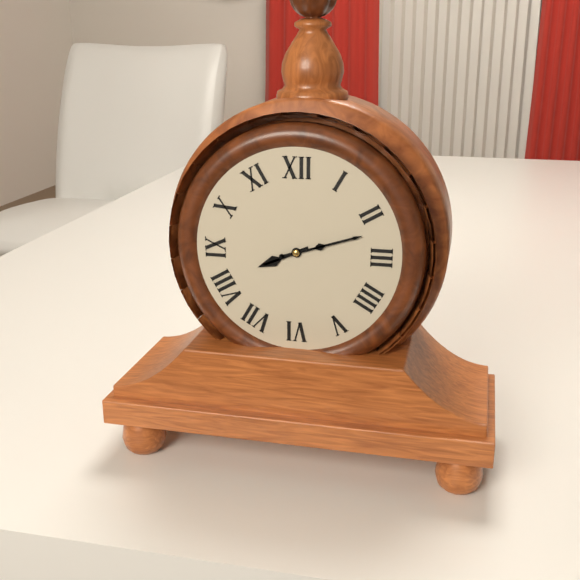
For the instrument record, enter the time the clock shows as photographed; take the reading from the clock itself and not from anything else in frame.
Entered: 8:12
